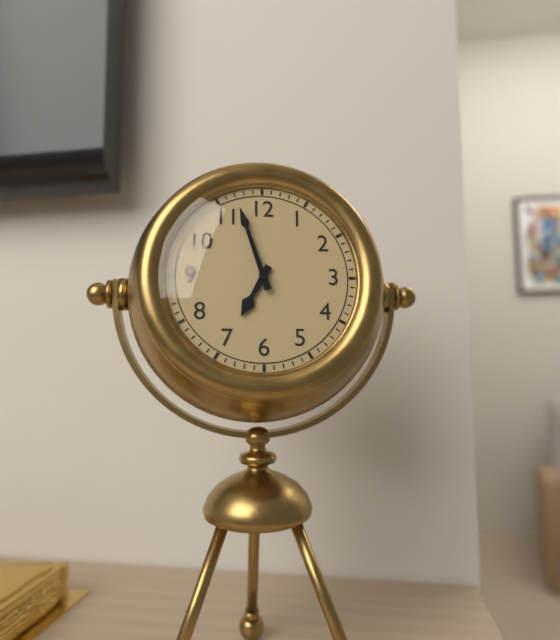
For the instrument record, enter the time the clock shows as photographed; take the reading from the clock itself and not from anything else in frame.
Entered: 6:57
